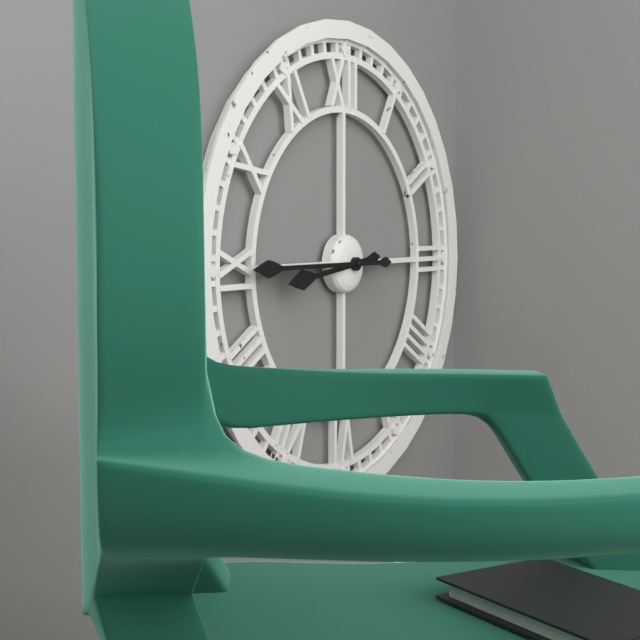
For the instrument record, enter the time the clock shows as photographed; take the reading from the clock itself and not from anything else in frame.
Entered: 8:45
